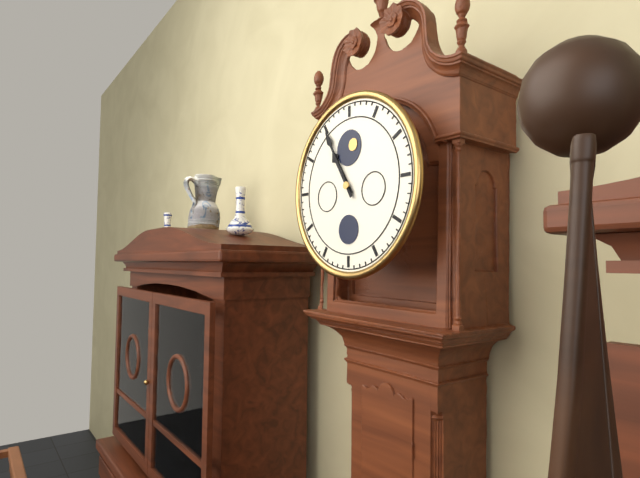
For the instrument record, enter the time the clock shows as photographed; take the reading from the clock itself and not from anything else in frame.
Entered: 10:55
